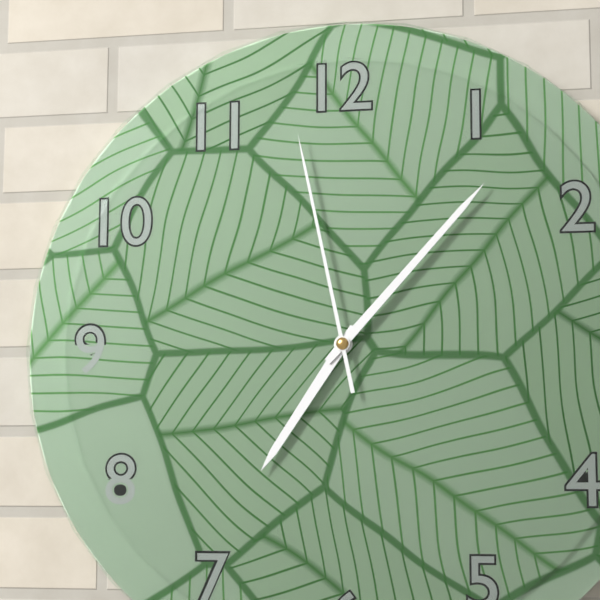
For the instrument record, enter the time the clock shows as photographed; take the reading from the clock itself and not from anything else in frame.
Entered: 7:07:58
